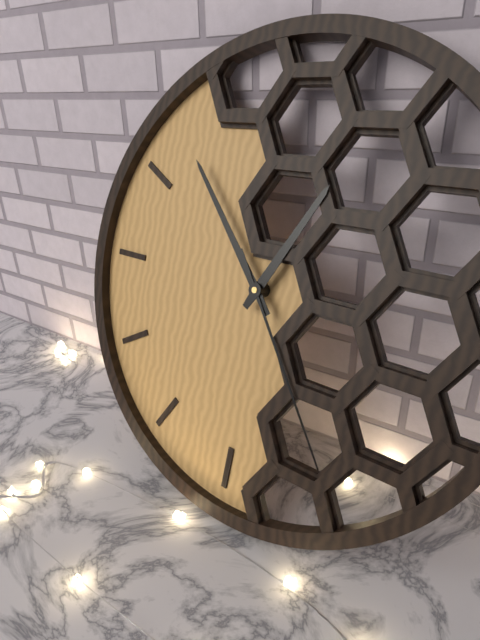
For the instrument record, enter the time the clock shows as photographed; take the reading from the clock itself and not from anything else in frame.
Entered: 12:53:24
